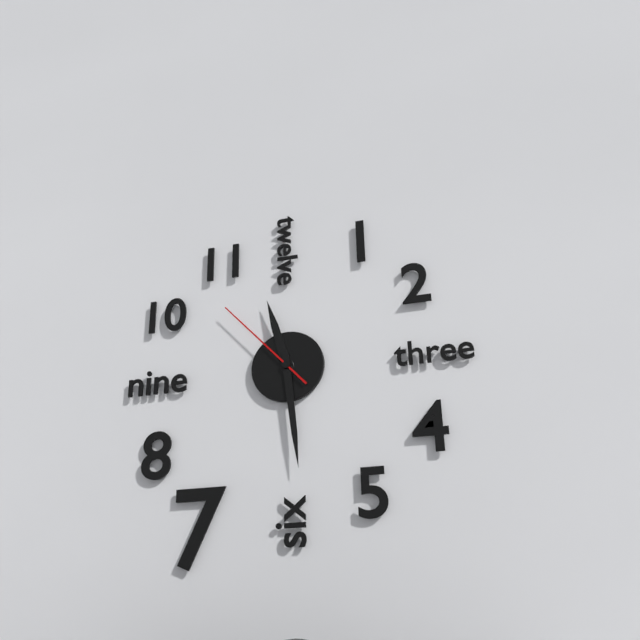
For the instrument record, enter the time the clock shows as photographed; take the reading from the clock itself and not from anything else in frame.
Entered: 11:29:53
